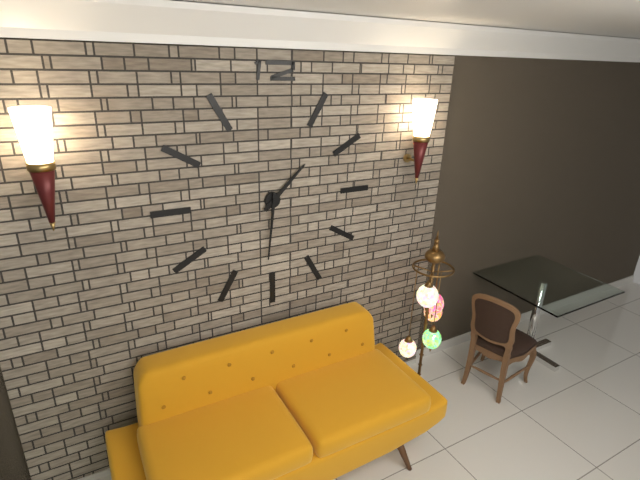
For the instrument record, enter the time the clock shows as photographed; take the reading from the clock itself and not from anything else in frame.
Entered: 1:31
